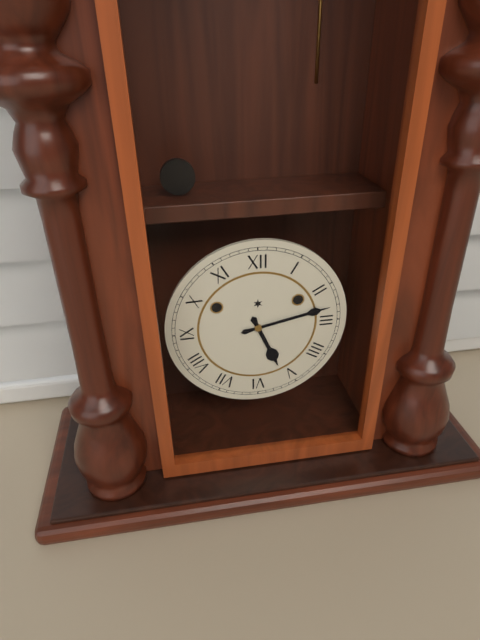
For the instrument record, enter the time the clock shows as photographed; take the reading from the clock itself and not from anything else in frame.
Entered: 5:13
